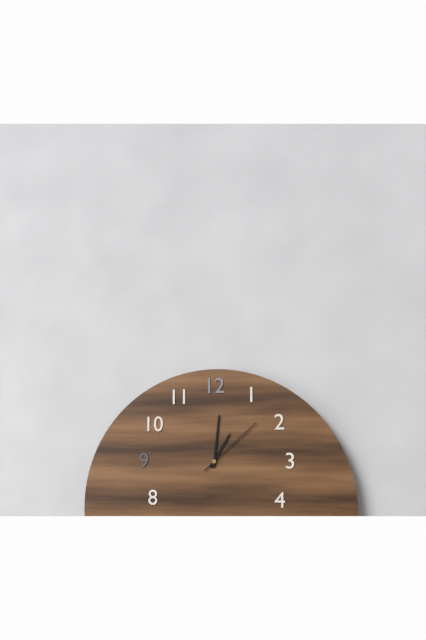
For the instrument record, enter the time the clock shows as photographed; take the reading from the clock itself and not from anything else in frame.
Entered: 1:01:08
